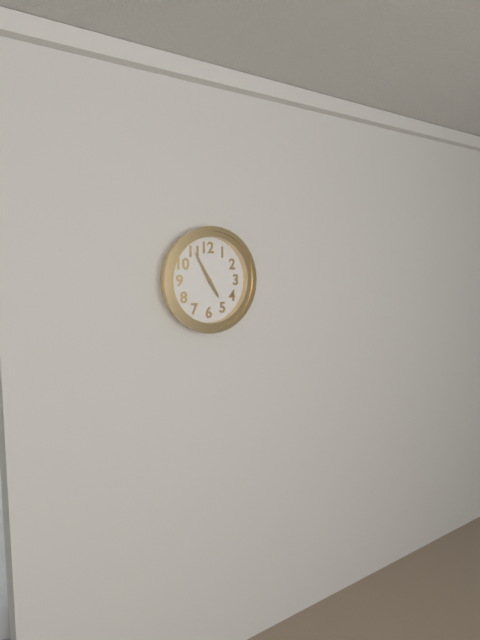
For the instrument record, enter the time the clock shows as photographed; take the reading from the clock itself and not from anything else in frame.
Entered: 4:55
